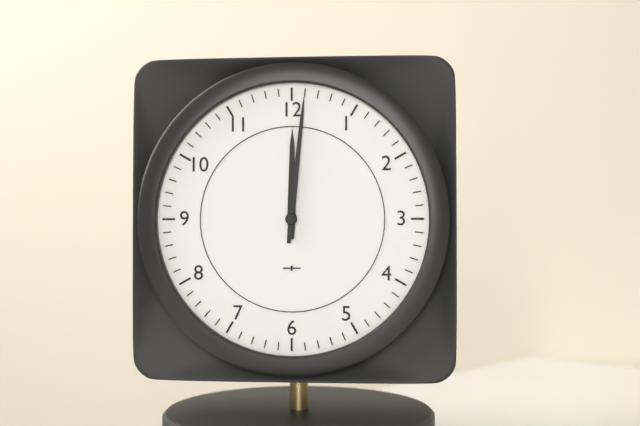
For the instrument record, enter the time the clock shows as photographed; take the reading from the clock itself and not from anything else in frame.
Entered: 12:01
